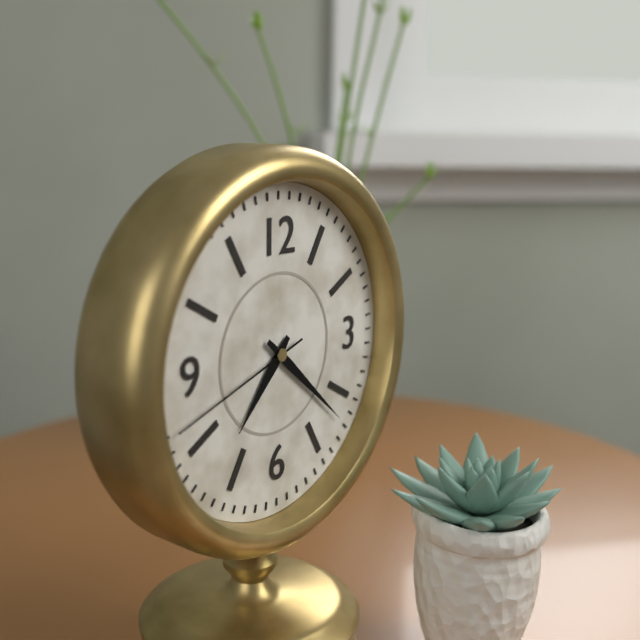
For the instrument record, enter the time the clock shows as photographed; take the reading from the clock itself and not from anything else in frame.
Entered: 7:22:42
